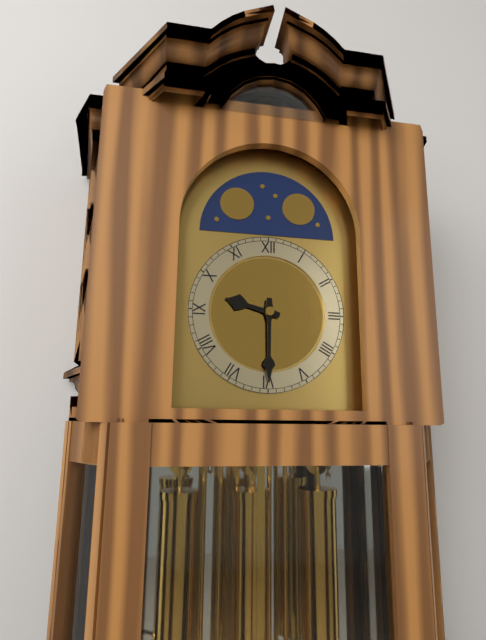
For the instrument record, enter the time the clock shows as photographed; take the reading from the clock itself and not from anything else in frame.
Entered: 9:30
